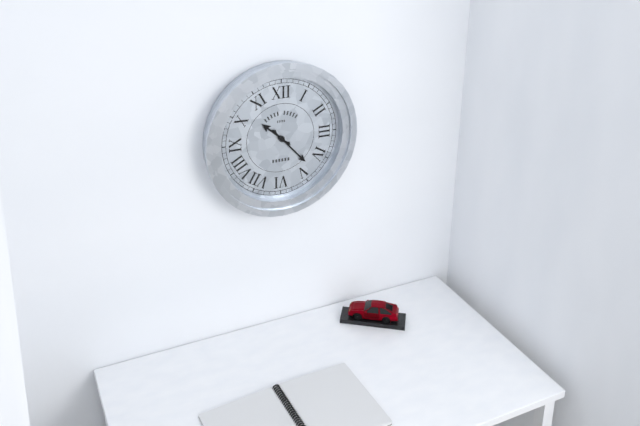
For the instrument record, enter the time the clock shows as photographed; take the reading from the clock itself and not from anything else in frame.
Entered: 10:23
